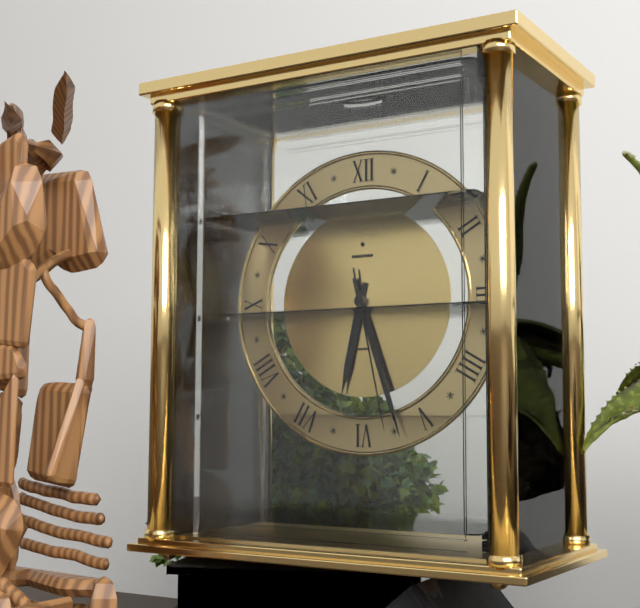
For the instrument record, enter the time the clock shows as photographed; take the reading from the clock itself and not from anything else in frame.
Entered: 6:27:28
